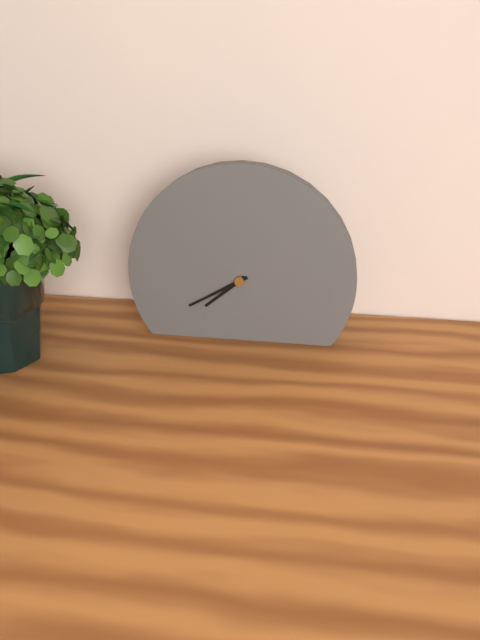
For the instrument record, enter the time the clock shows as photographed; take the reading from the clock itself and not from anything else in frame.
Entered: 7:40
